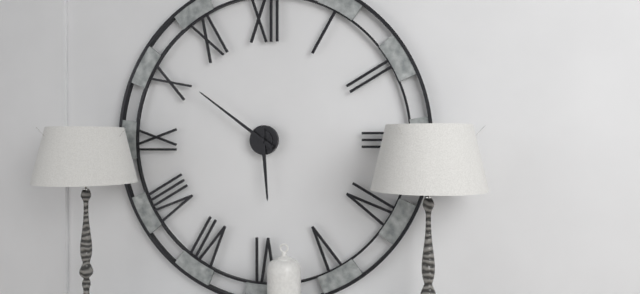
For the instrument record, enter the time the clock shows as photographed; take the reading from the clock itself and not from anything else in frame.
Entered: 5:51
